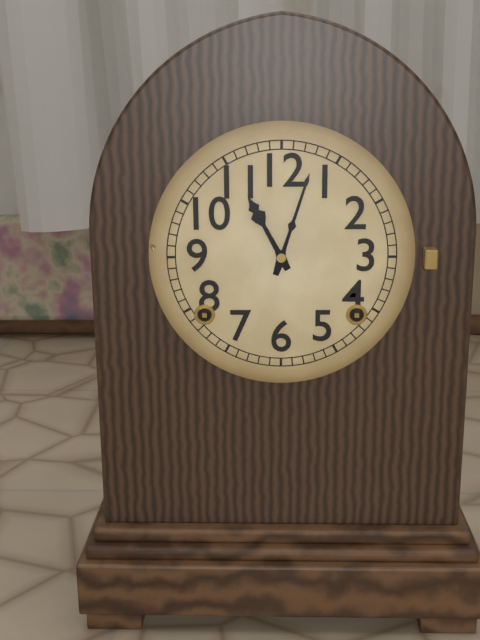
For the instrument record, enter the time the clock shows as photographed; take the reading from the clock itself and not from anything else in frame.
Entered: 11:03
